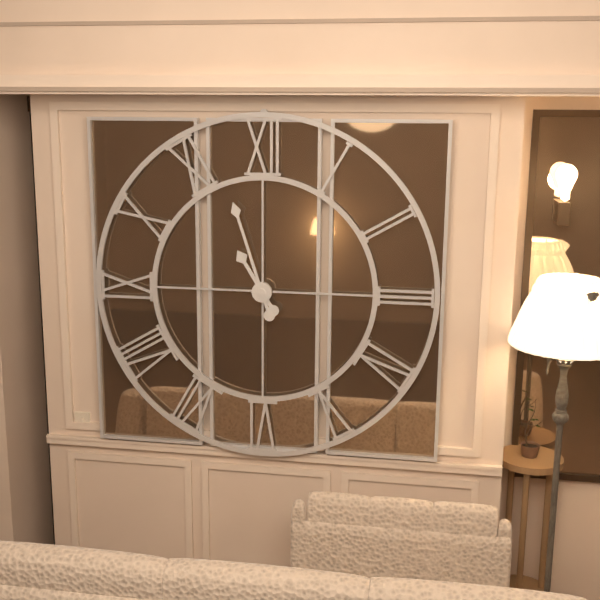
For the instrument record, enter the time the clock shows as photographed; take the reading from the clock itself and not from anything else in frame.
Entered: 10:57
